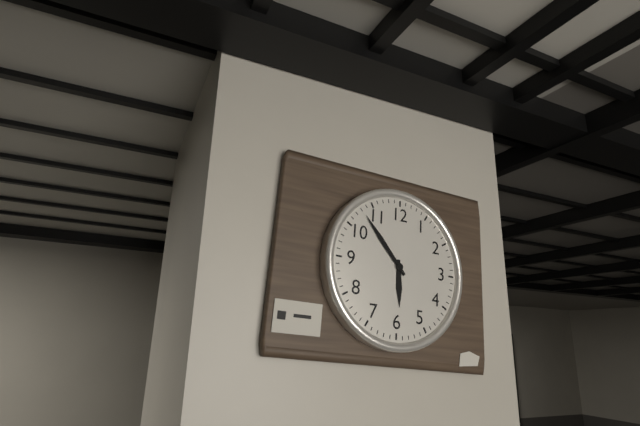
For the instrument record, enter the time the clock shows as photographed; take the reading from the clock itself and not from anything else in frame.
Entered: 5:53
